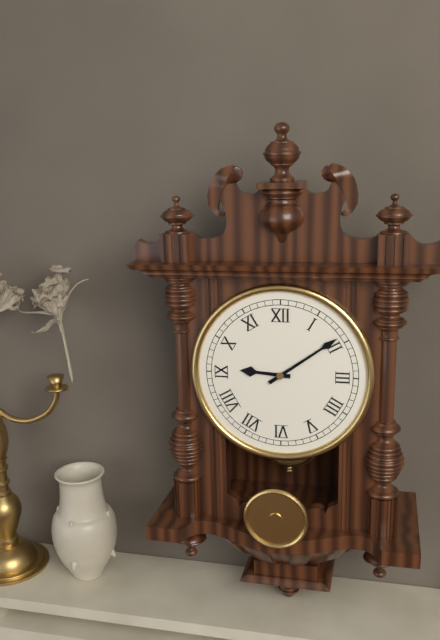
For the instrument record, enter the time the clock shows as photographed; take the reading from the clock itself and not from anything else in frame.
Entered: 9:09
